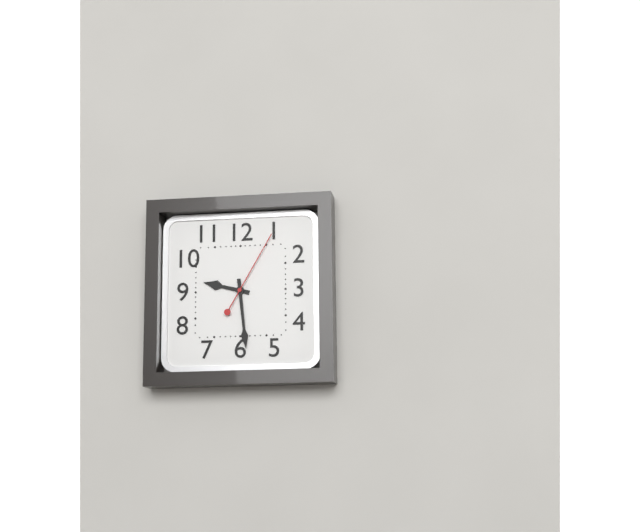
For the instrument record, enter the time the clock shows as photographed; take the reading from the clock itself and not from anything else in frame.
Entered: 9:29:05
